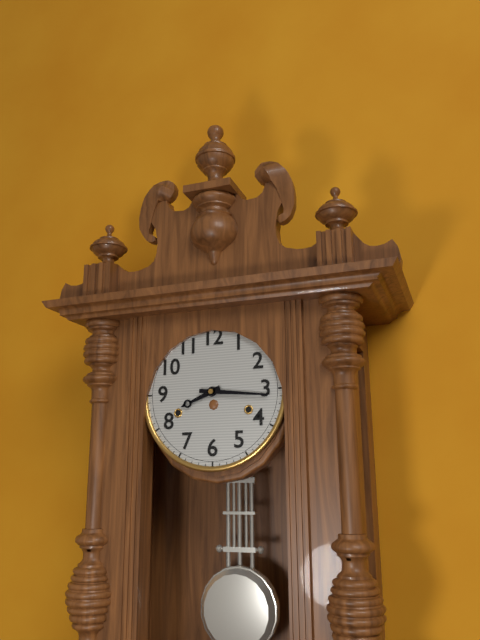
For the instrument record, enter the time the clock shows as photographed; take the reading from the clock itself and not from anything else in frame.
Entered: 8:16
